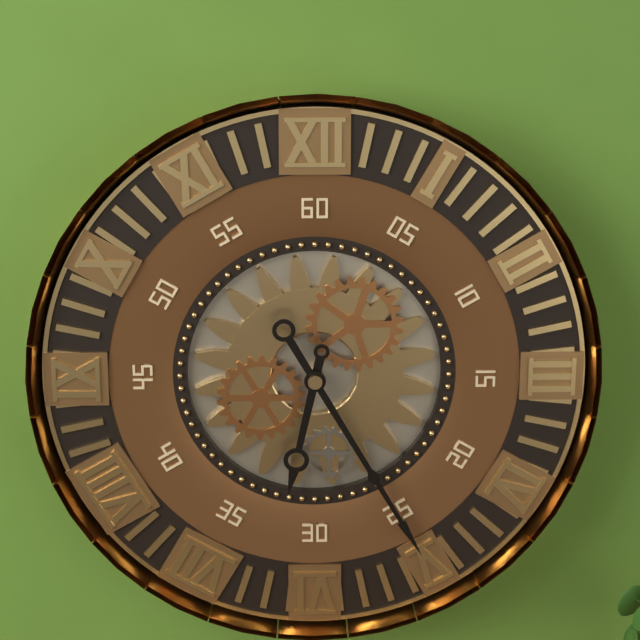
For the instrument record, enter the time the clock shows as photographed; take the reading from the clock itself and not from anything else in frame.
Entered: 6:25
